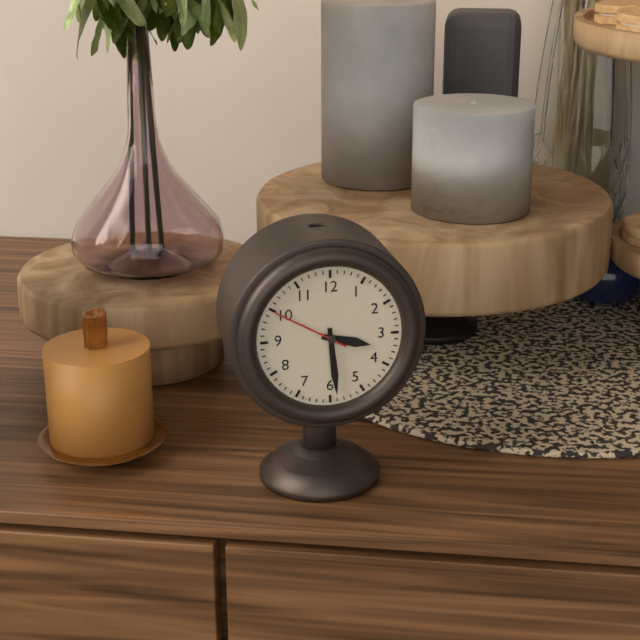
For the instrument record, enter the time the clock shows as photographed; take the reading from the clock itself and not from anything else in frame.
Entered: 3:29:50
